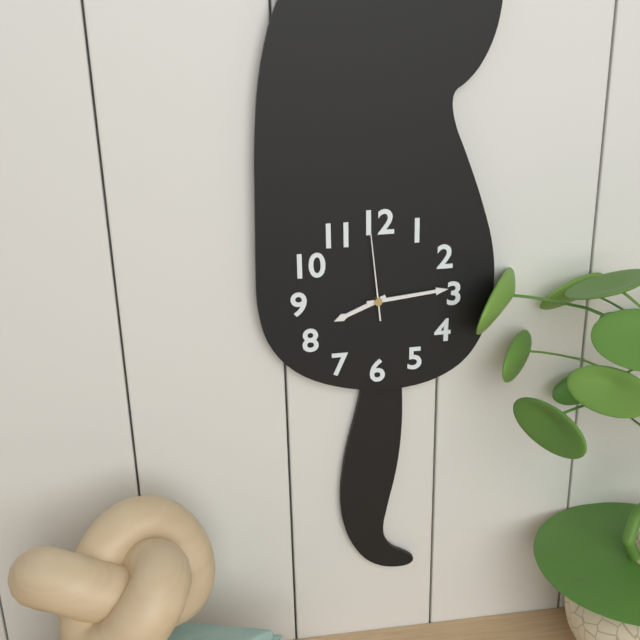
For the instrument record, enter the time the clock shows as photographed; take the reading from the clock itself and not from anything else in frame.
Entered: 8:14:59
